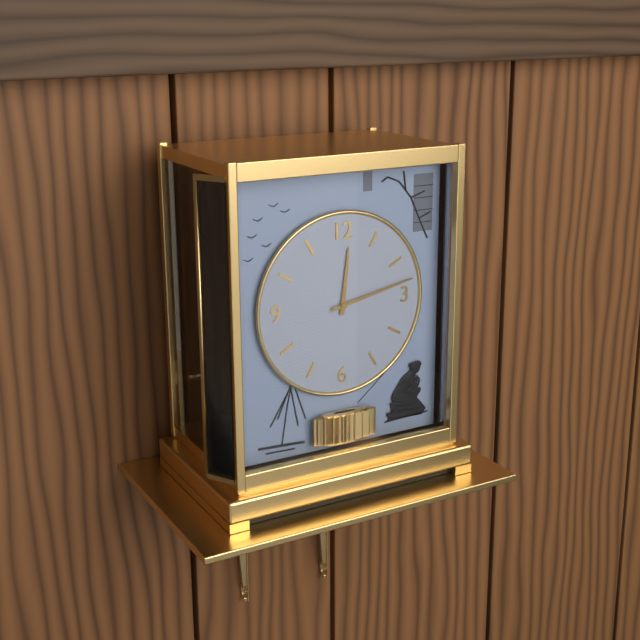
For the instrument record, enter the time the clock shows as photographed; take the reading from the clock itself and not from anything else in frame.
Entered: 12:13
